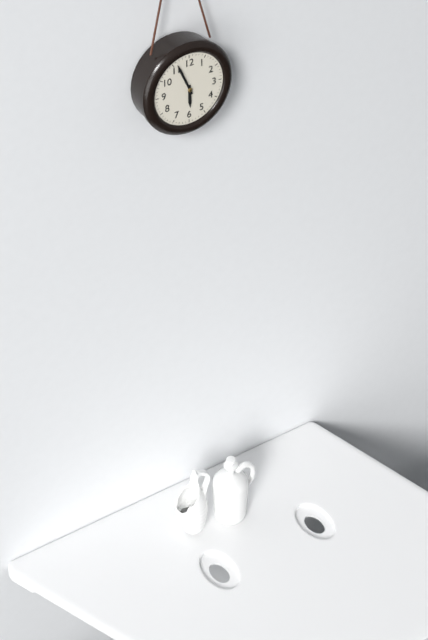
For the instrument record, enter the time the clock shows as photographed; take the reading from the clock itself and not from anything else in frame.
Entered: 5:56
